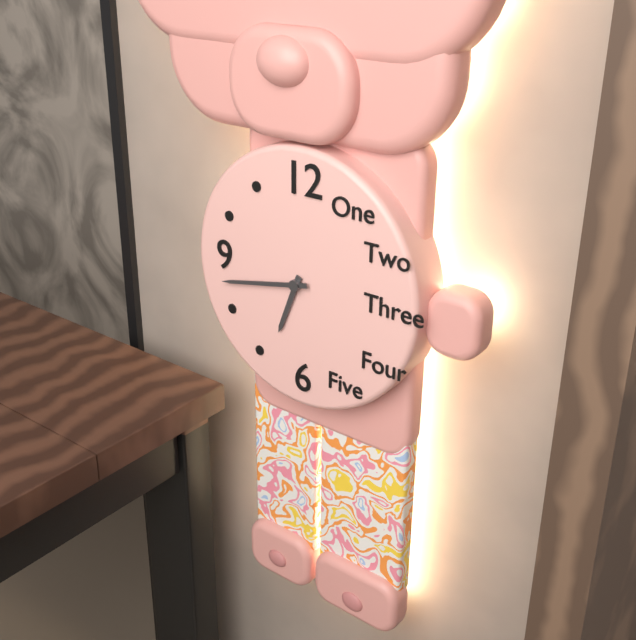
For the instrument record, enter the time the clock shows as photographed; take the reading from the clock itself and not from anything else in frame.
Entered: 6:43
